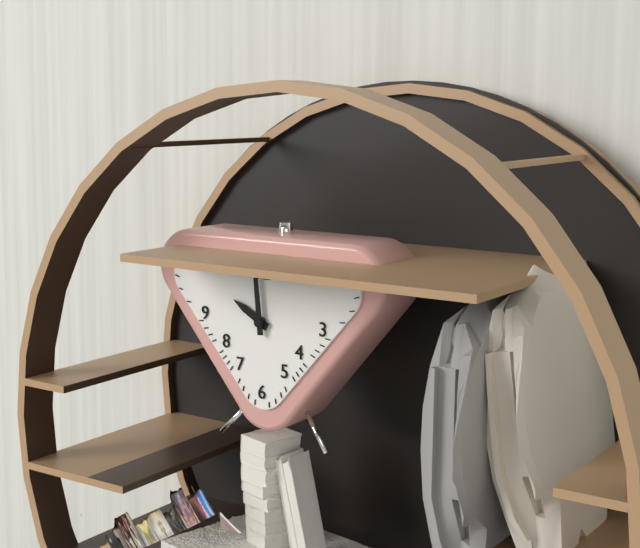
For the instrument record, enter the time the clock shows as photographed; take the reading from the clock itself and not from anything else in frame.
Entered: 9:59
